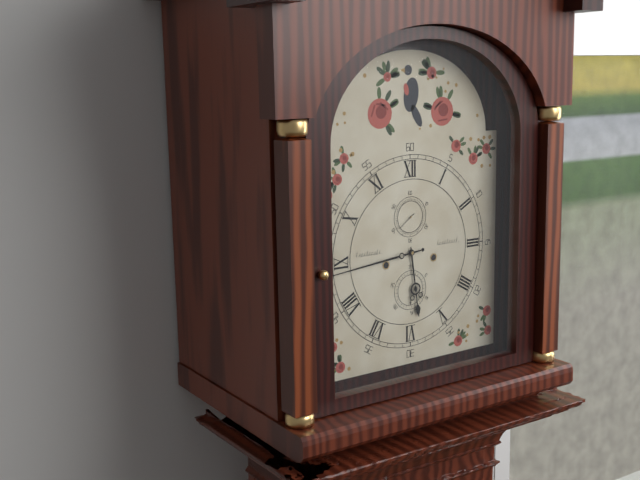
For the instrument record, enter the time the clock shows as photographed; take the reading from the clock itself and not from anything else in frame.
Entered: 5:44
